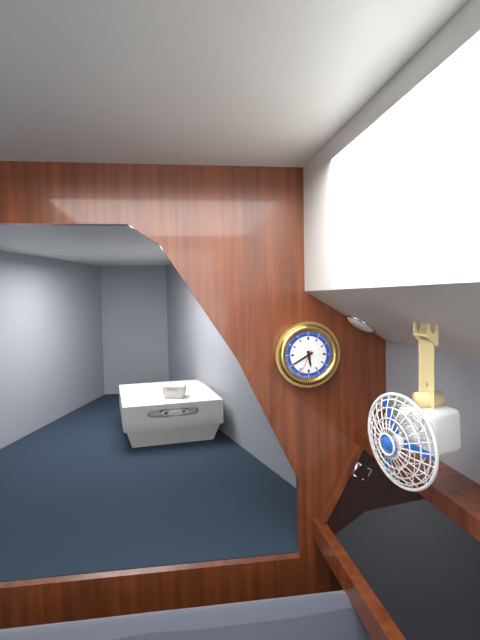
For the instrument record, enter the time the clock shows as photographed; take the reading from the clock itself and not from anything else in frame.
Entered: 5:40
